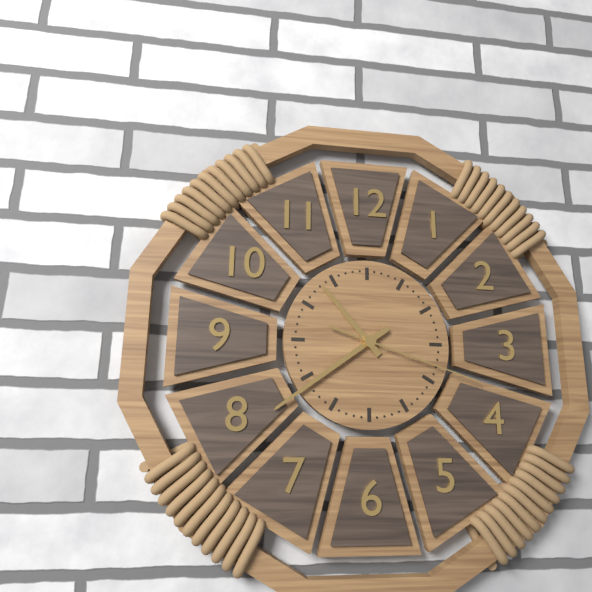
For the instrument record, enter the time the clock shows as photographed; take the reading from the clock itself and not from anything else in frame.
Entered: 10:39:18
